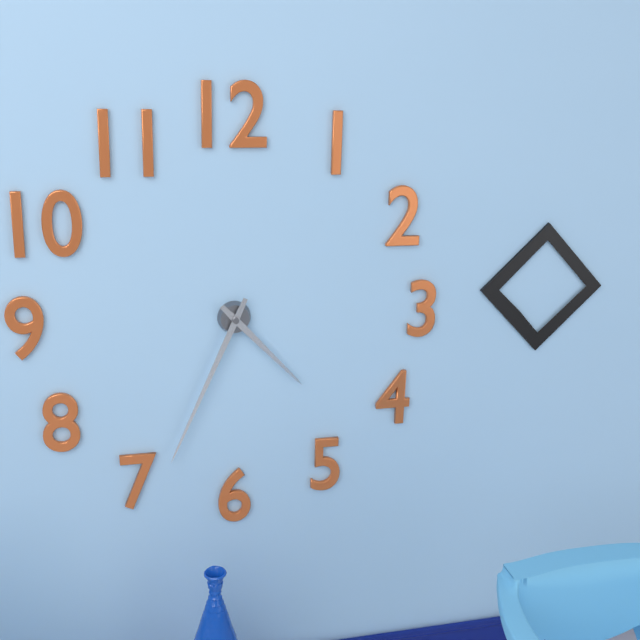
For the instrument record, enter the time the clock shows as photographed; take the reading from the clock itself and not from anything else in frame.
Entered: 4:34
